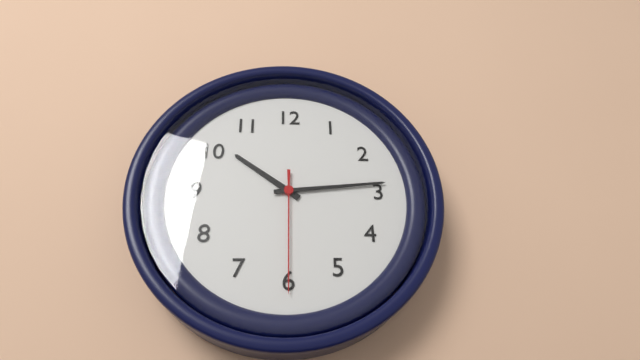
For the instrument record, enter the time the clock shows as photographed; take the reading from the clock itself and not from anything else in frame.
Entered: 10:14:30
